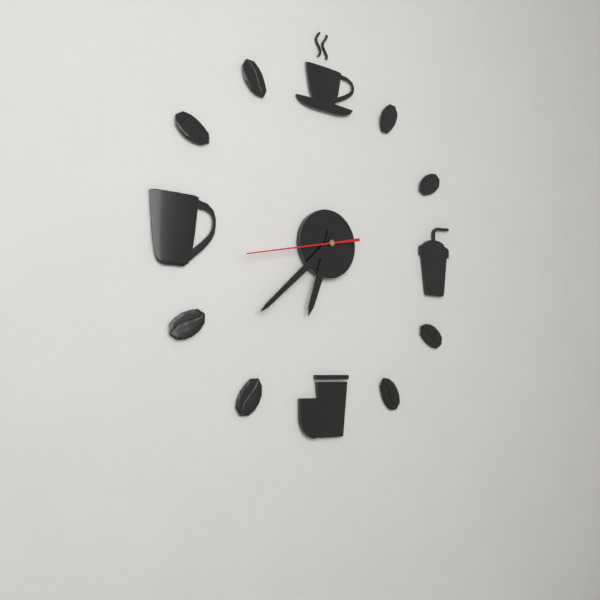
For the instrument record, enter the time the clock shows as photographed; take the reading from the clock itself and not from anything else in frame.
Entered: 6:38:43
